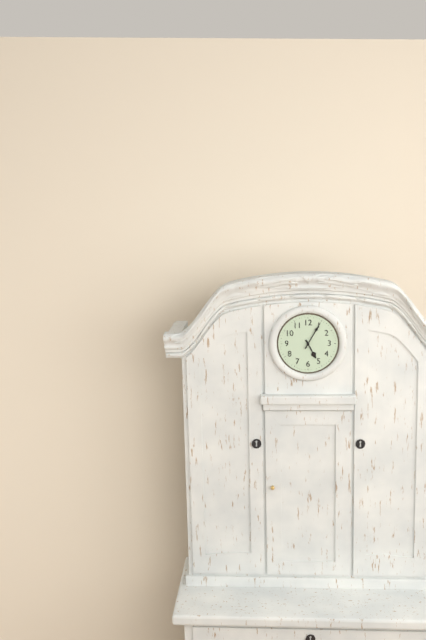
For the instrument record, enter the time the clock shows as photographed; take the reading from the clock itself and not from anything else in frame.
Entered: 5:05
